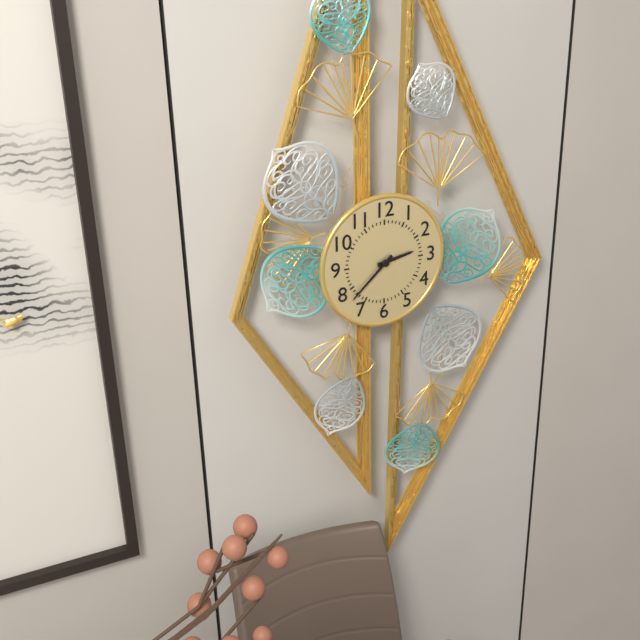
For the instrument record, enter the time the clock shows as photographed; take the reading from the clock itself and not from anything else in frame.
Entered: 2:38
